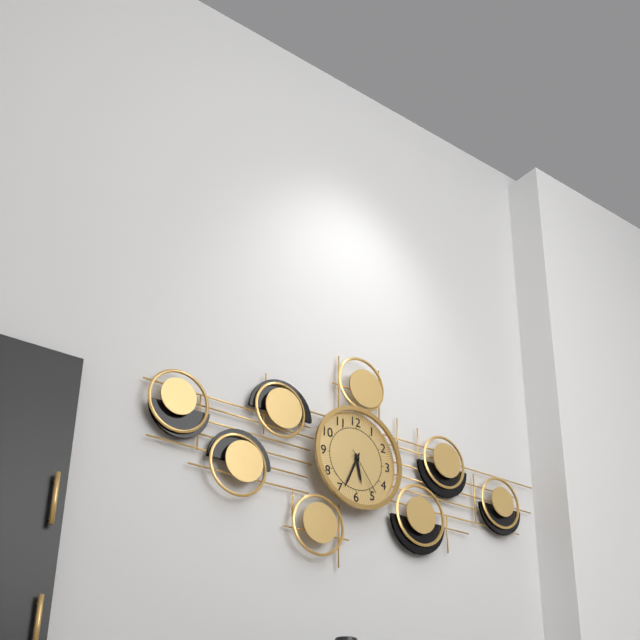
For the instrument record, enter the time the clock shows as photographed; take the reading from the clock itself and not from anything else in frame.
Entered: 5:34
